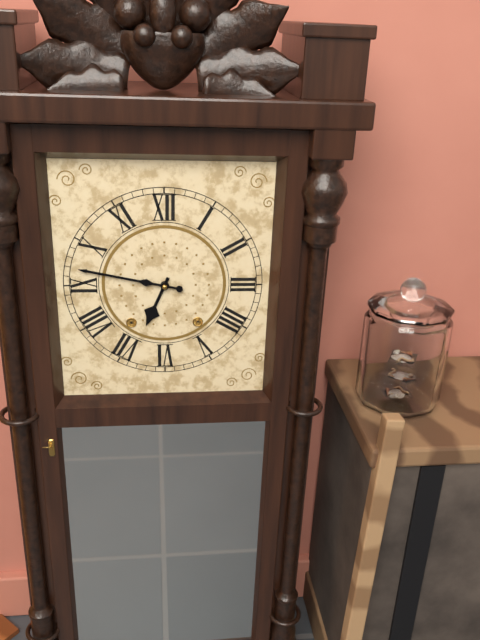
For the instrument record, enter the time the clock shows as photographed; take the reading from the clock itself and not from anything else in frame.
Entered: 6:47
